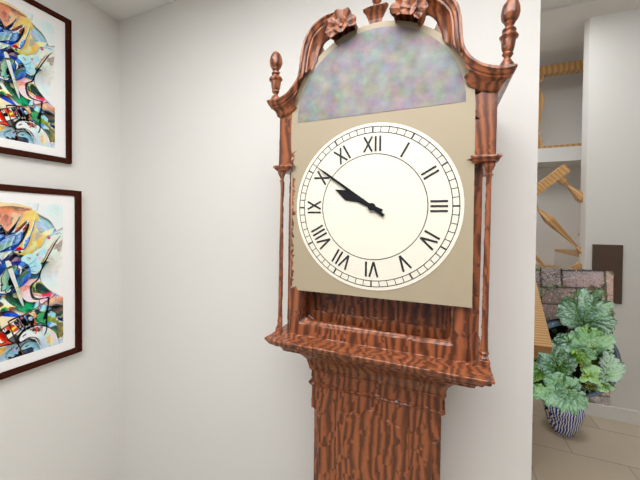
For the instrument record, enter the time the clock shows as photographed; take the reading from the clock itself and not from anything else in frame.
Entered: 9:51
